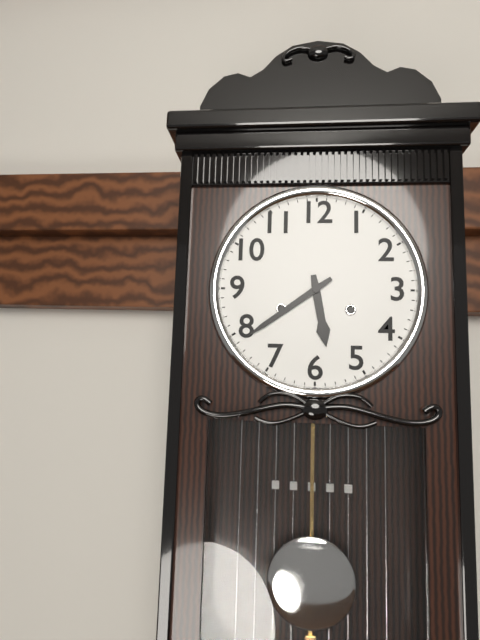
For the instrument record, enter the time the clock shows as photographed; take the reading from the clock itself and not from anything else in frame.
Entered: 5:39
